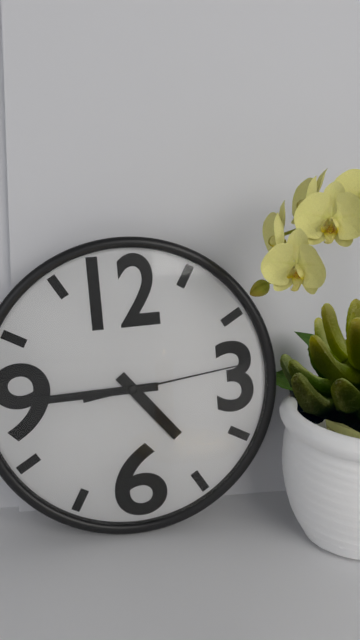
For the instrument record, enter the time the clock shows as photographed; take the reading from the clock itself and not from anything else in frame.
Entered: 4:45:14
